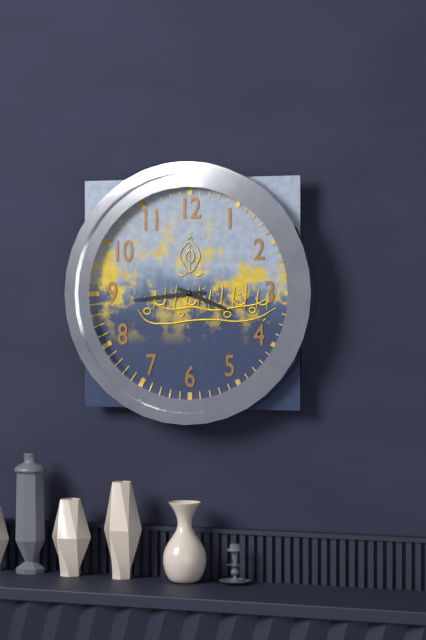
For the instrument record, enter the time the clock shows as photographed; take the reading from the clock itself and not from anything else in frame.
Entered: 3:44
